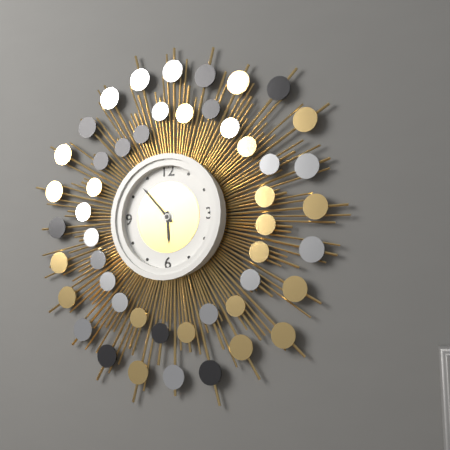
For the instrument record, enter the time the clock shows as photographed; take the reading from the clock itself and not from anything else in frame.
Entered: 5:53
